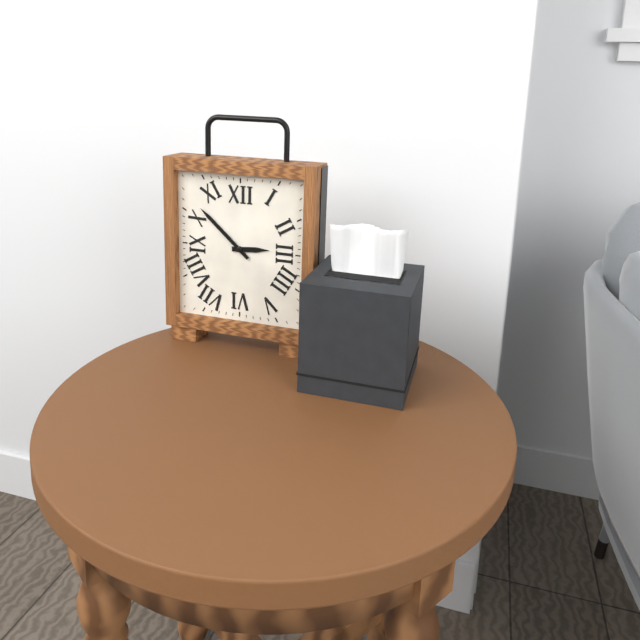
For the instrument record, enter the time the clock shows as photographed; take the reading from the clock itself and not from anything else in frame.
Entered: 2:52
